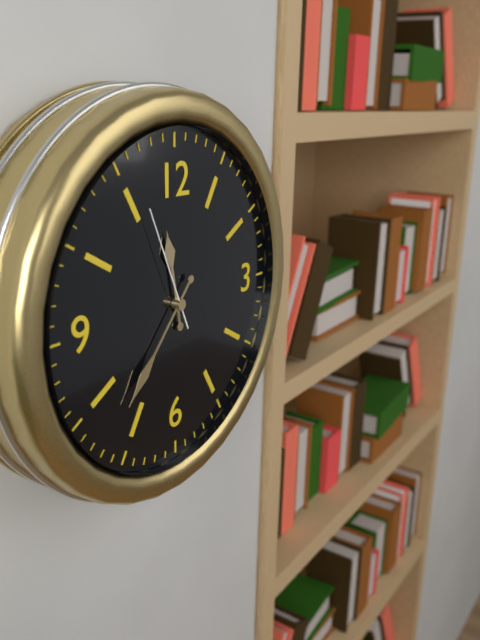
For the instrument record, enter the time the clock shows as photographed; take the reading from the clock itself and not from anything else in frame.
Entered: 11:37:56
